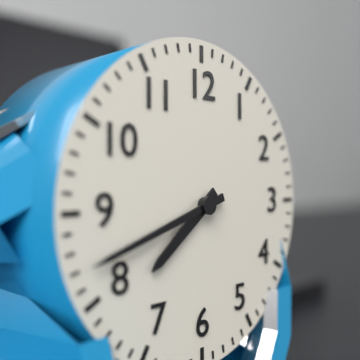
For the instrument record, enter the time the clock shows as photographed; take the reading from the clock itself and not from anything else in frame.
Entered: 7:42
